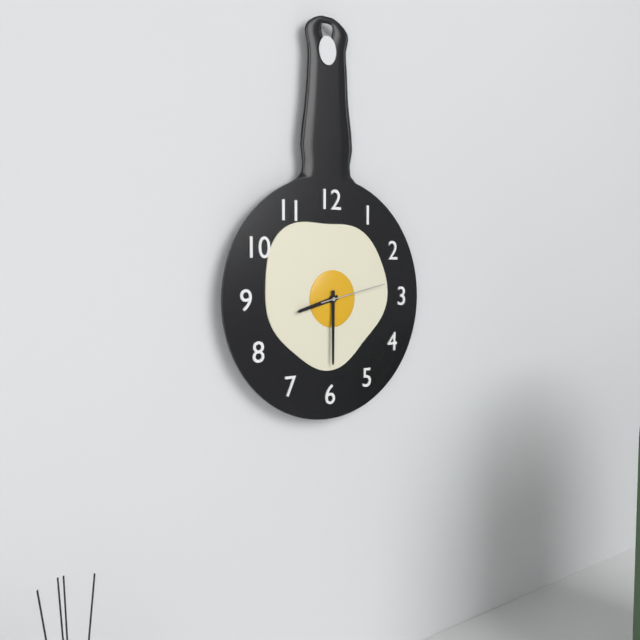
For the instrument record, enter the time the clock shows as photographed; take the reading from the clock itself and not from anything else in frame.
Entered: 8:30:13
